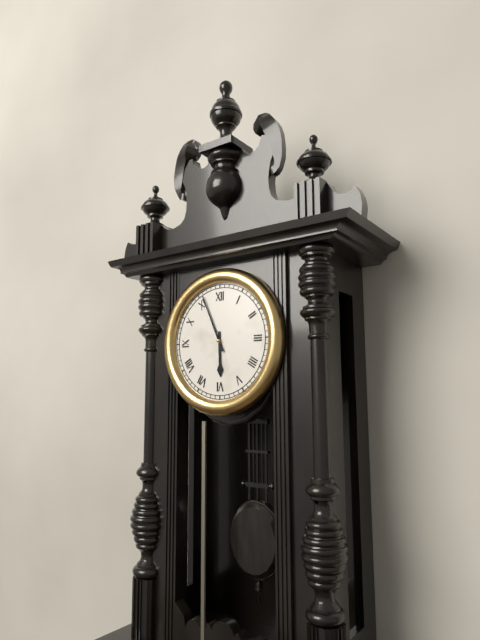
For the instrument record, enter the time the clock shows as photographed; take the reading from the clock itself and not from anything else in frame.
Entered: 5:56
